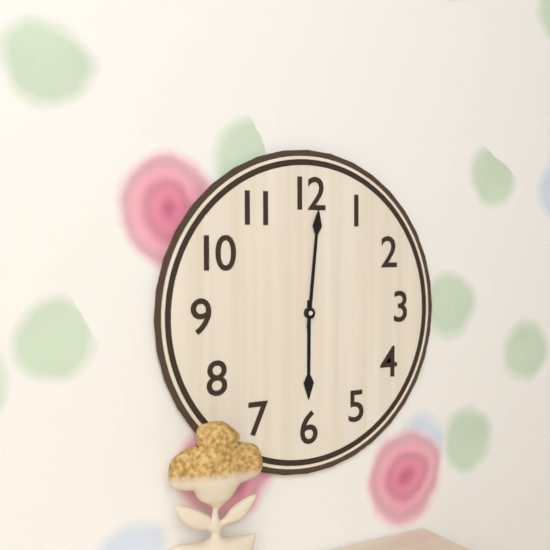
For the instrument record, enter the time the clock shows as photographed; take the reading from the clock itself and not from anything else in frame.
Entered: 6:01
